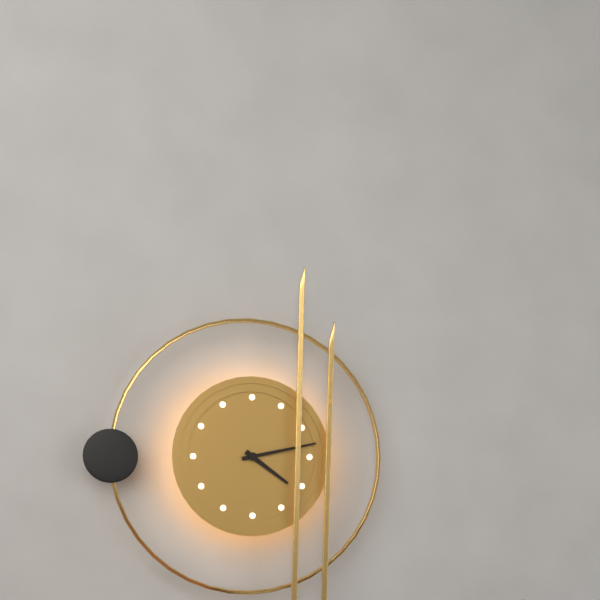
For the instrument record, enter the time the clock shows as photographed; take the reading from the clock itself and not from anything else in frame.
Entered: 4:13
